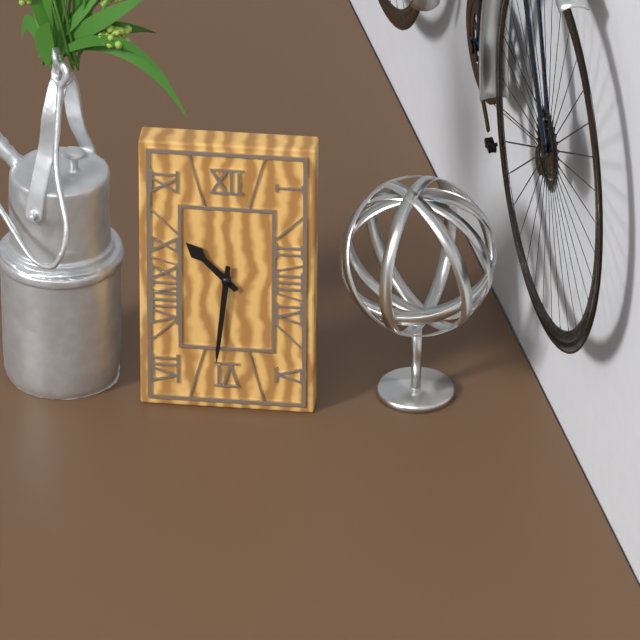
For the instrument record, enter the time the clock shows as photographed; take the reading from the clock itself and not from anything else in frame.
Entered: 10:31
